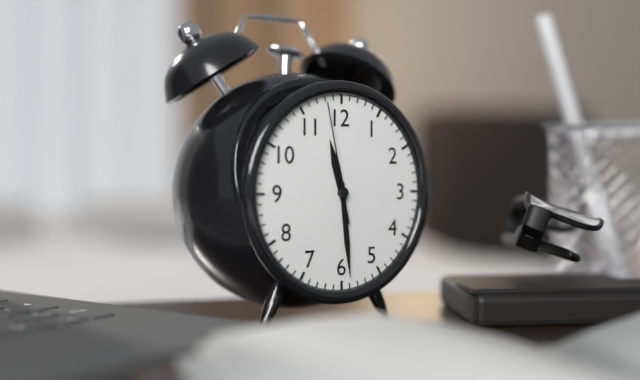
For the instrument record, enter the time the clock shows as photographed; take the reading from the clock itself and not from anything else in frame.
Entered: 11:29:58
